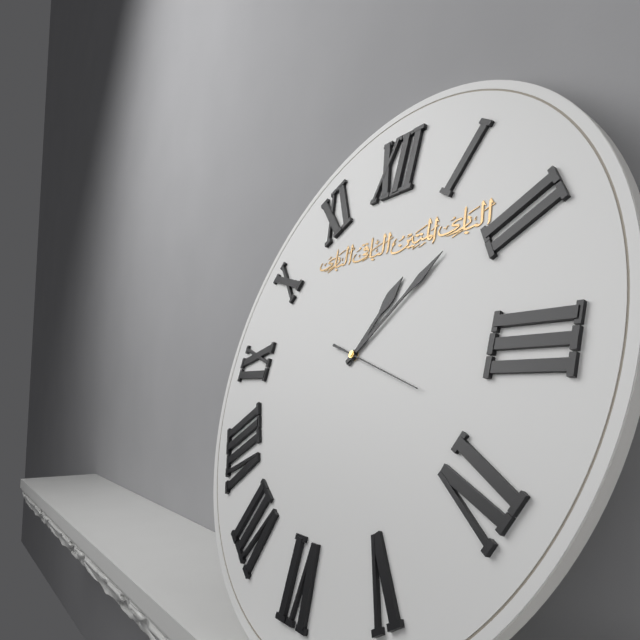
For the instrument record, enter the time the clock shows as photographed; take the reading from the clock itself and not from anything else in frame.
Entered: 1:08:18
